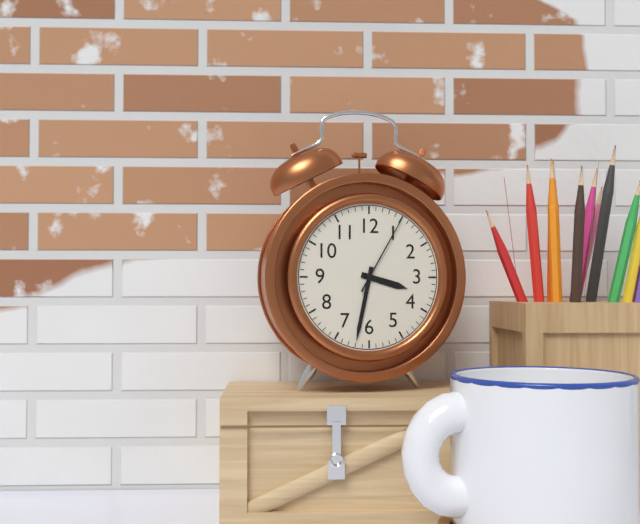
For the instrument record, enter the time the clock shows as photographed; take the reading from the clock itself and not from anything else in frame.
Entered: 3:32:05
